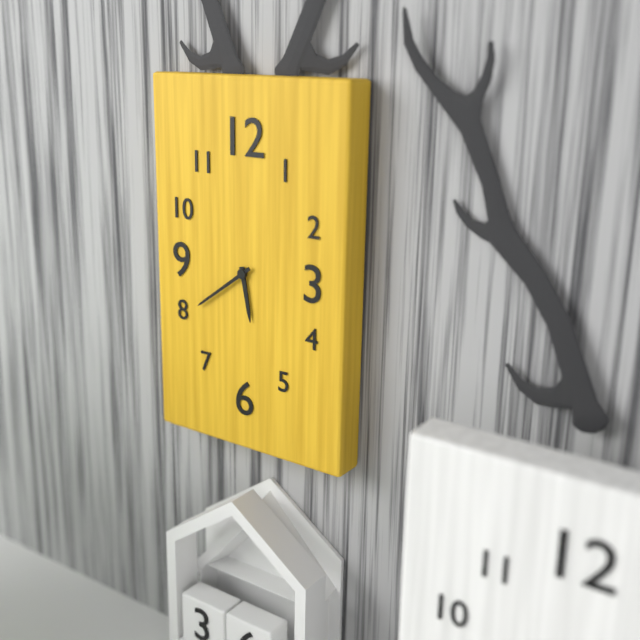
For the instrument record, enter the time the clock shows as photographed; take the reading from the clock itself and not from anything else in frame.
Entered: 5:39
